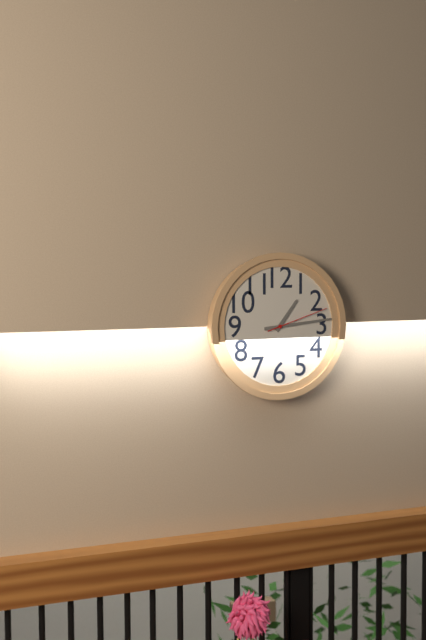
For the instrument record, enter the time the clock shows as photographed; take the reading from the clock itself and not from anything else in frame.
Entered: 1:14:12
